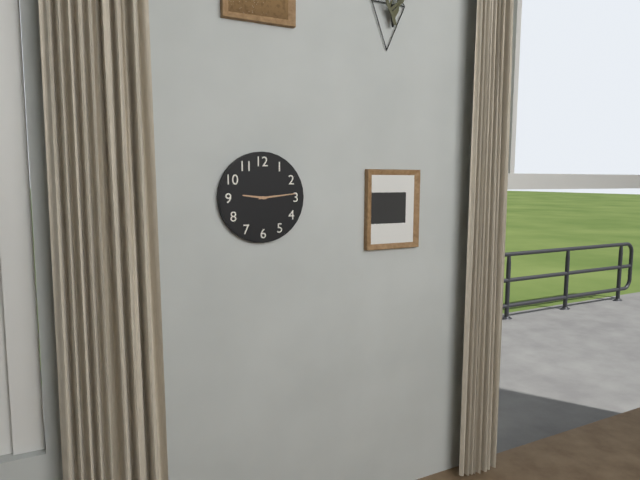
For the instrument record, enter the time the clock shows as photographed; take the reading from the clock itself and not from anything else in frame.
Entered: 9:14
